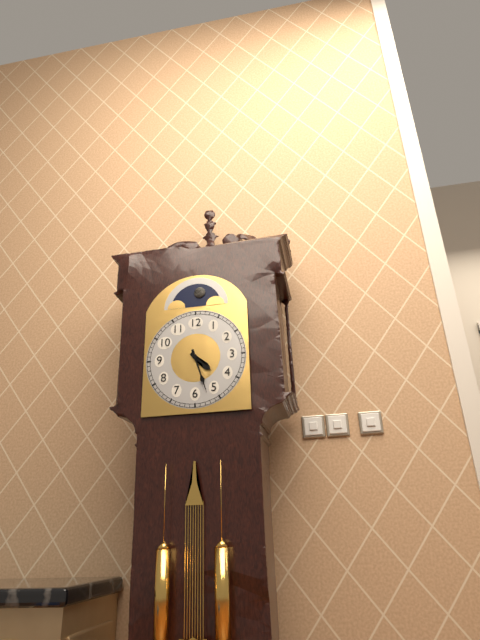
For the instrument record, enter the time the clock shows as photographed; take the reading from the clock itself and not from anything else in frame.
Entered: 4:27
